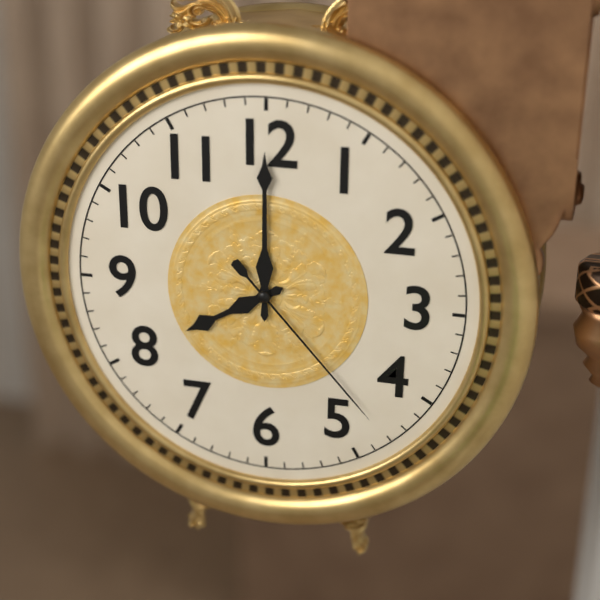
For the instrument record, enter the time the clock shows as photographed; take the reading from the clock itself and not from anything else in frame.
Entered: 8:00:23
